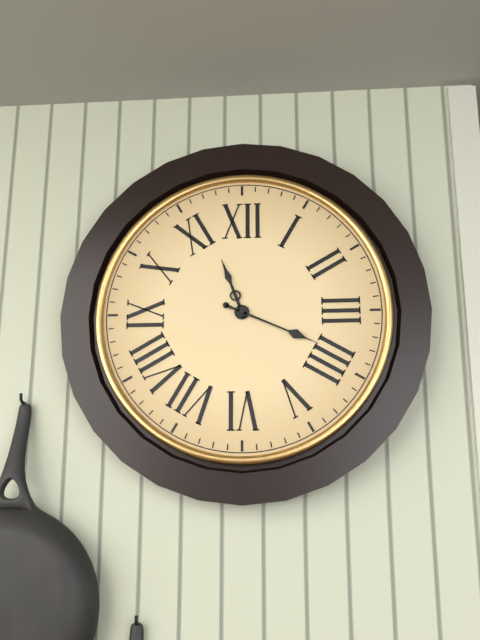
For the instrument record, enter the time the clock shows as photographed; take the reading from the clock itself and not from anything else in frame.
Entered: 11:19
